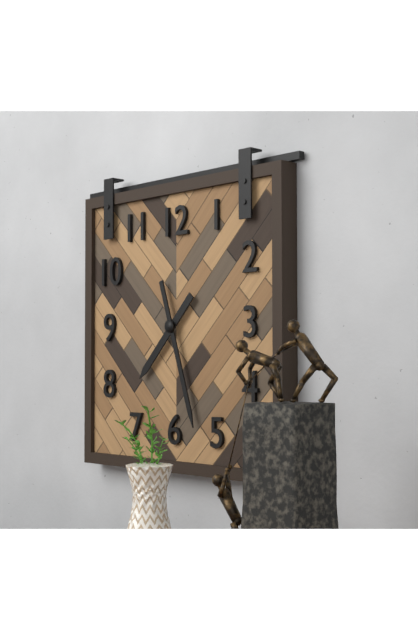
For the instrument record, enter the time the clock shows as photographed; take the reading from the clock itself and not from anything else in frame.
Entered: 7:27
